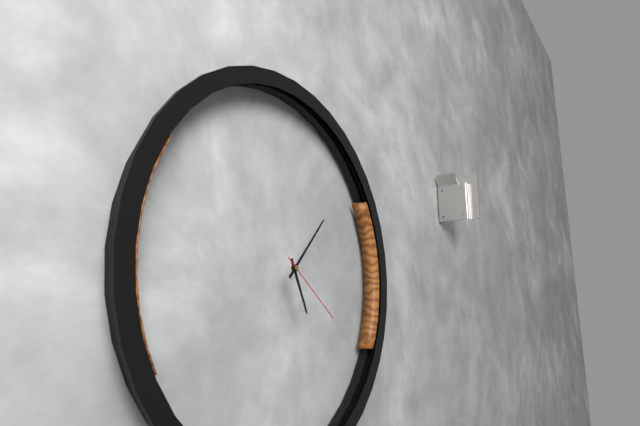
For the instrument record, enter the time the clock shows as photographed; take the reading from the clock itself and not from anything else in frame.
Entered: 5:07:21
